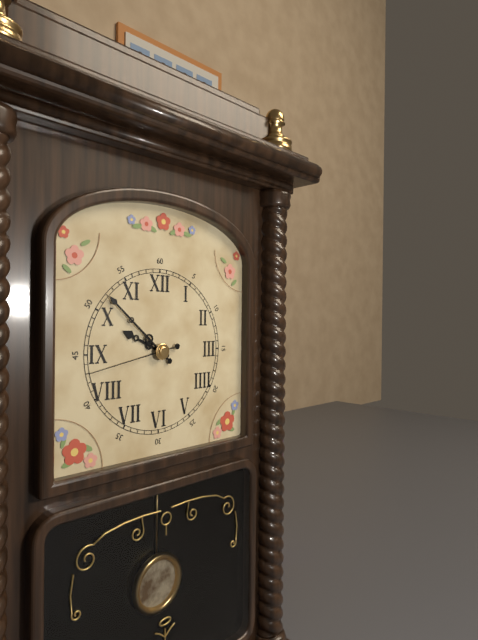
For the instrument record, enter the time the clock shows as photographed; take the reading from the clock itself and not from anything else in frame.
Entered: 9:52:43
